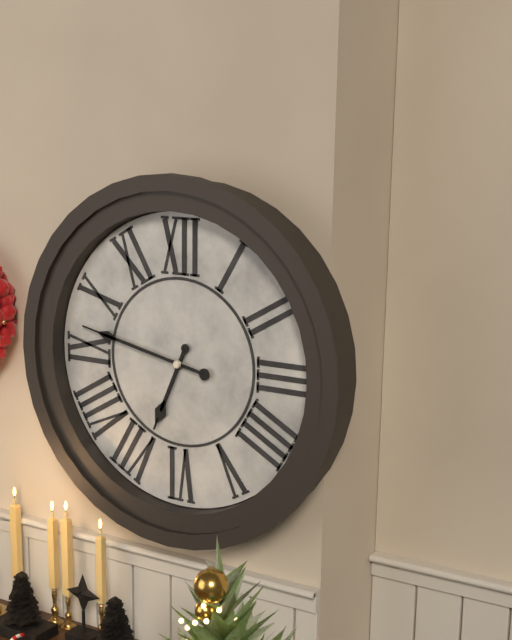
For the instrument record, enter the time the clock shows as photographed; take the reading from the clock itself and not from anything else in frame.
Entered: 6:47
